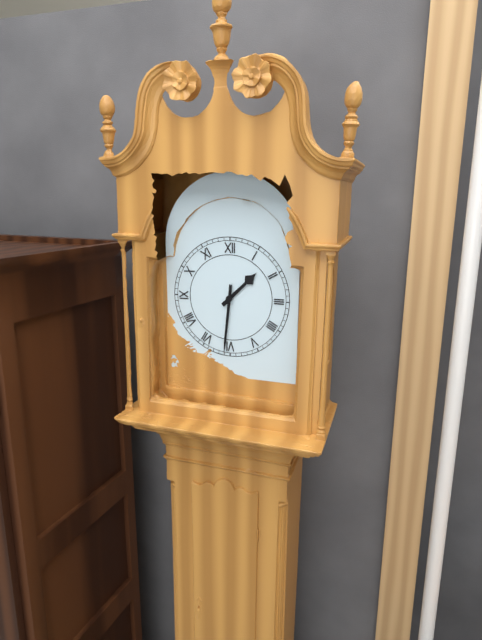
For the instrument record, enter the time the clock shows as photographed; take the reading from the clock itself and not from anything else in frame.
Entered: 1:31
